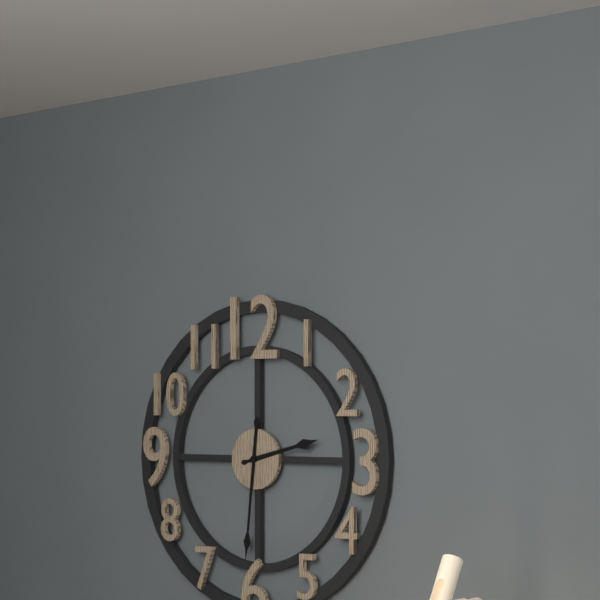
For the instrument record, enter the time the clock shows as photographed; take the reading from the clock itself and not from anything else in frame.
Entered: 2:31
